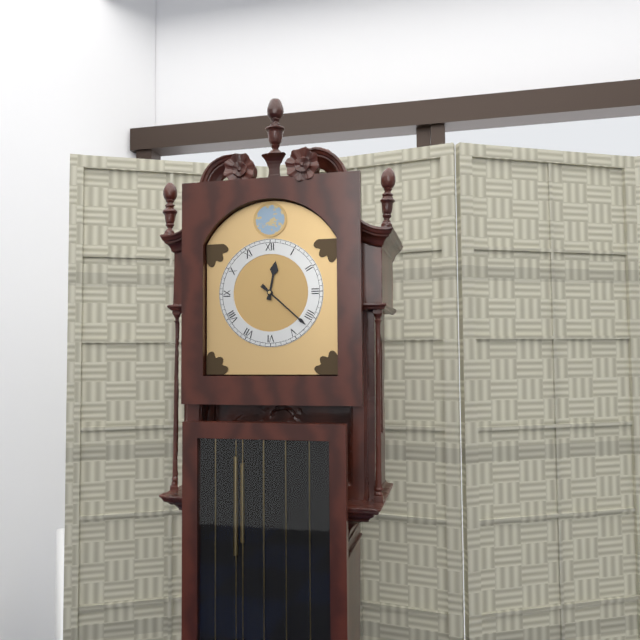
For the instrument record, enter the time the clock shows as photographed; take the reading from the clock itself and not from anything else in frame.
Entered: 12:22
